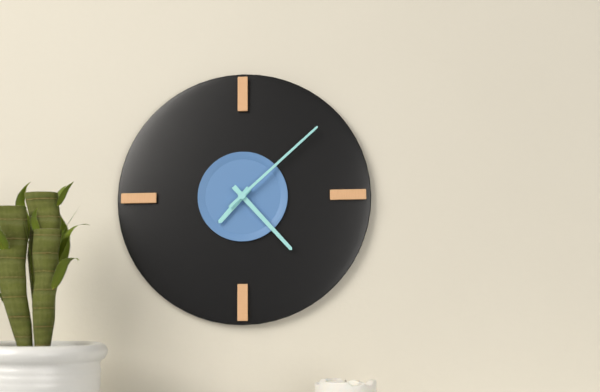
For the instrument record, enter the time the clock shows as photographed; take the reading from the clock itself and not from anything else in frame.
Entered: 7:23:08
